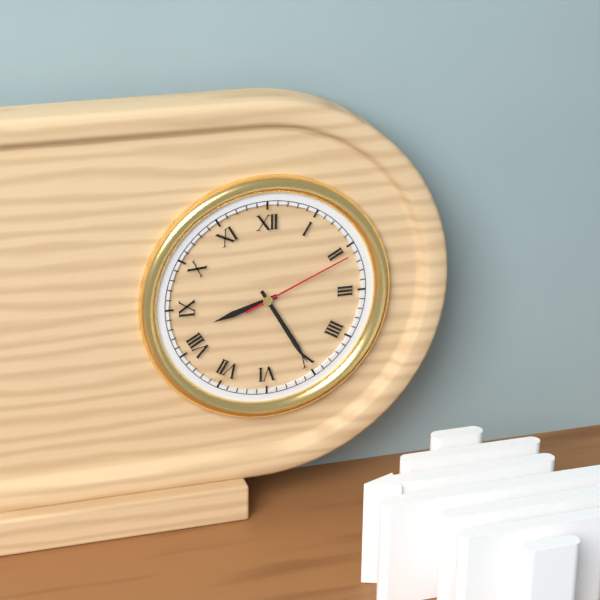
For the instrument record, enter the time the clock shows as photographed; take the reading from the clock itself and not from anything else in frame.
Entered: 8:25:11
